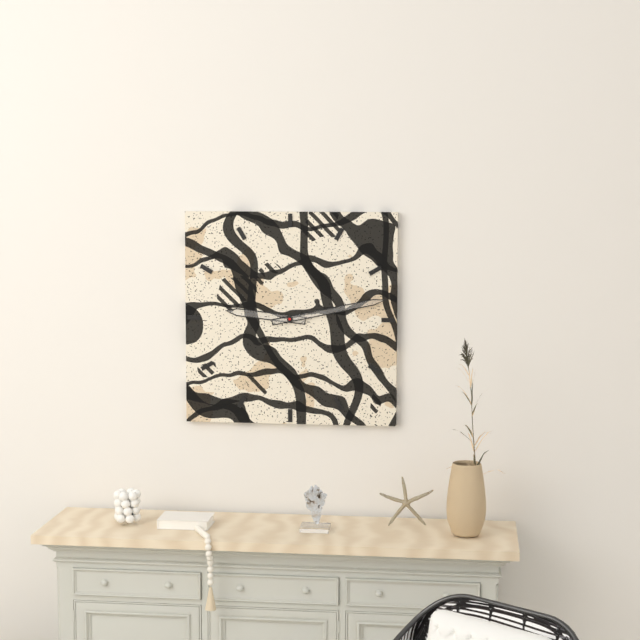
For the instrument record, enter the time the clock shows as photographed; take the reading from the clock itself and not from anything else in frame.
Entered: 9:13
